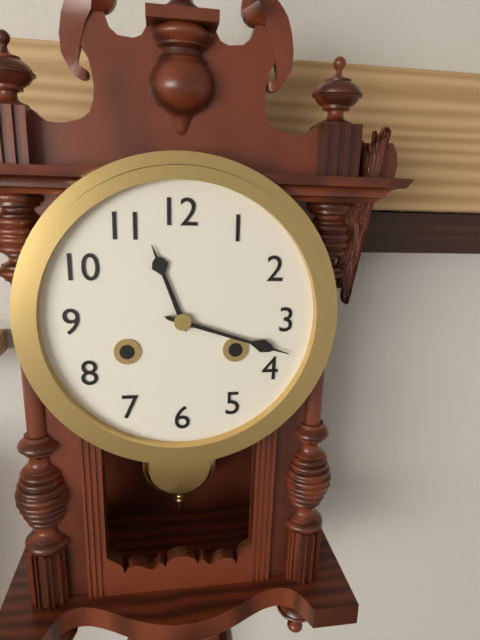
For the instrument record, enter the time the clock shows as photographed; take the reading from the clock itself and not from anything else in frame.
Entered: 11:18
